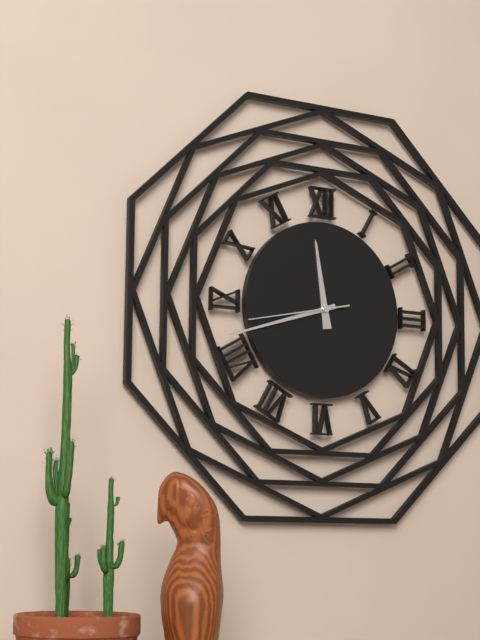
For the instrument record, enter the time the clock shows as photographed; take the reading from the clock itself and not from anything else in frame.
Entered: 11:42:43
